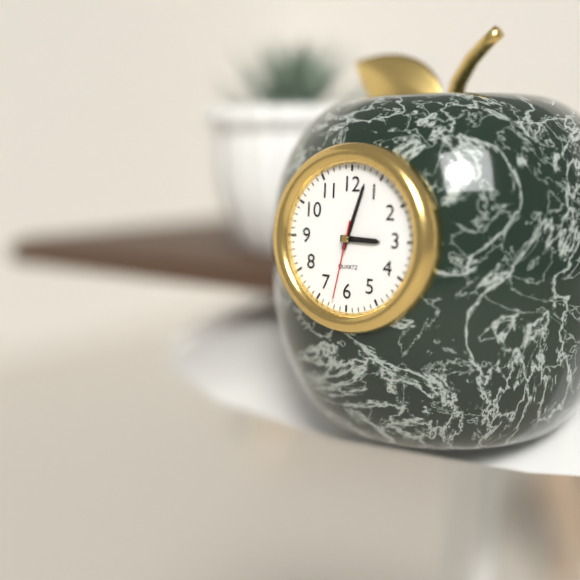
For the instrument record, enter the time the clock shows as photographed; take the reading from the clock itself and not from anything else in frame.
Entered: 3:03:32
